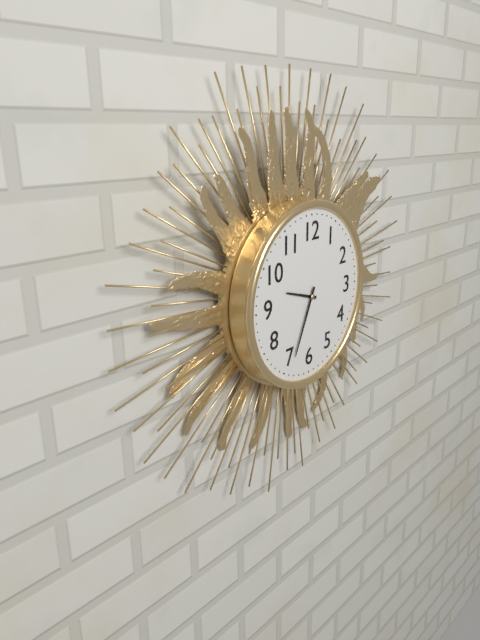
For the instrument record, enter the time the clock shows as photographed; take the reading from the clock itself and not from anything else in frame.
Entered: 9:34
